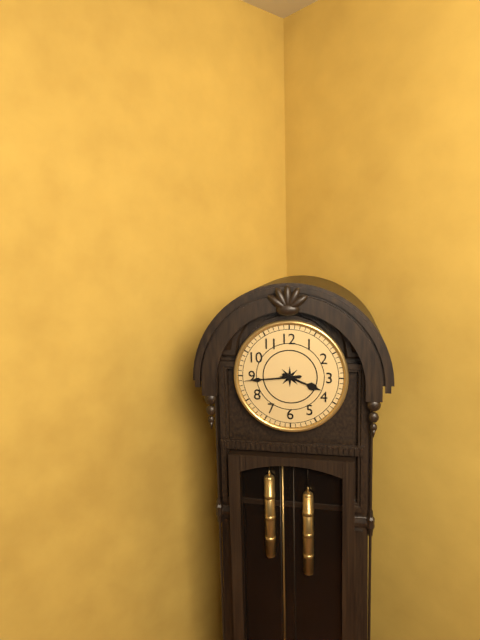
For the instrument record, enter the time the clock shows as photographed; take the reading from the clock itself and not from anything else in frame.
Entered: 3:44
